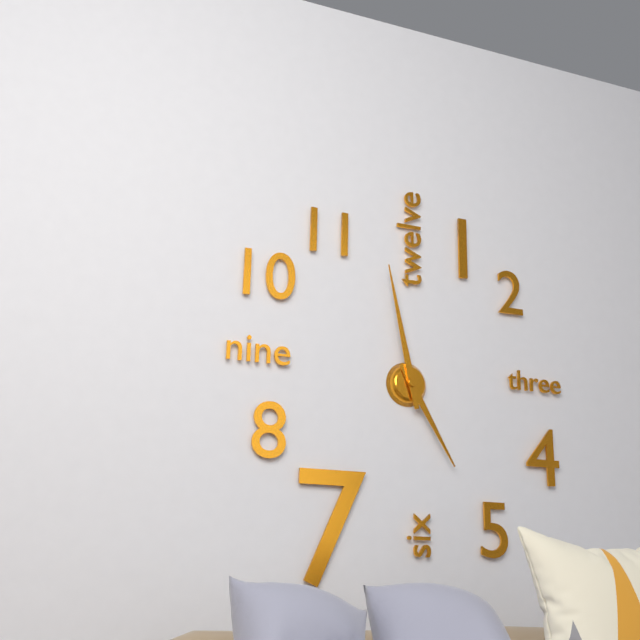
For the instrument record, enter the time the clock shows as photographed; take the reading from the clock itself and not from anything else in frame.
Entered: 4:58
